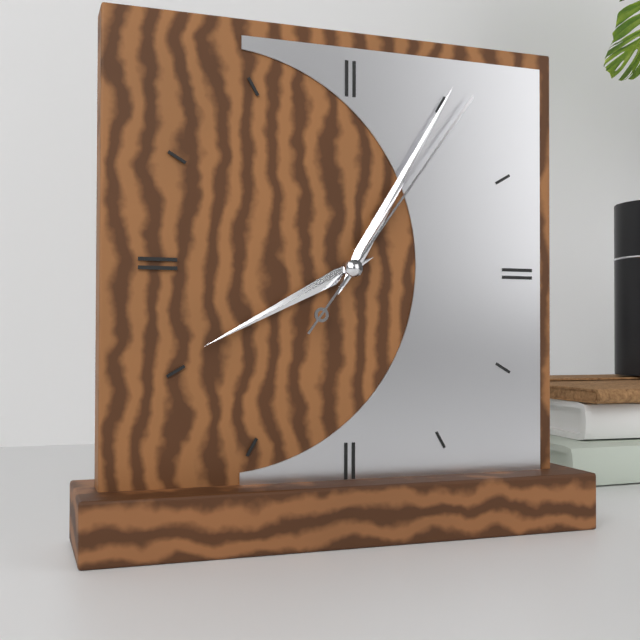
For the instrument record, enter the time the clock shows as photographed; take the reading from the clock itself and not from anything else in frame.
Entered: 8:05:06
